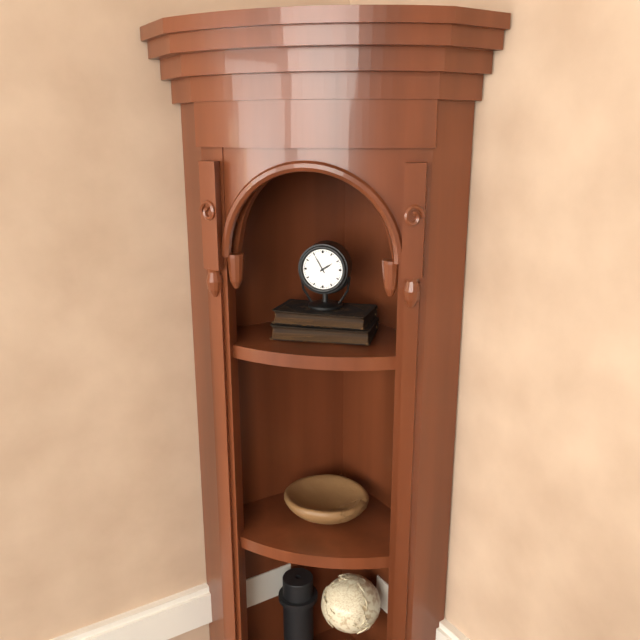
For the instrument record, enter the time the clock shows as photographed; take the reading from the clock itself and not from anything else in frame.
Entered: 1:55
